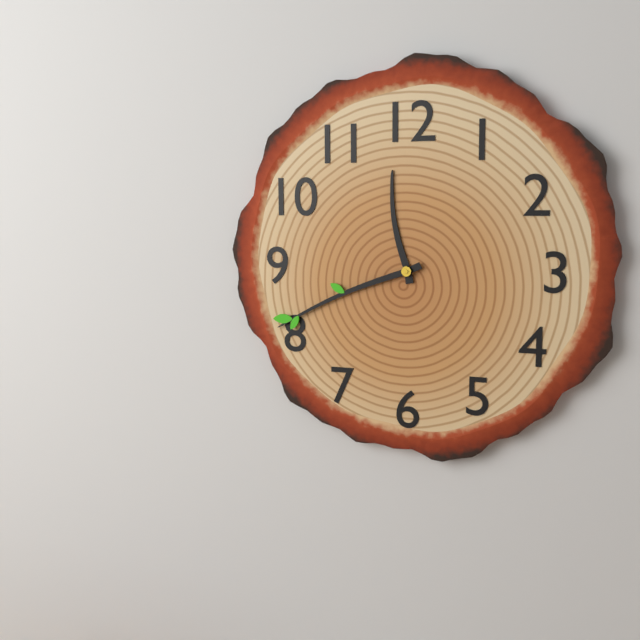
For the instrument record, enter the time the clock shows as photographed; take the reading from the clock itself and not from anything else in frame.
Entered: 11:41
